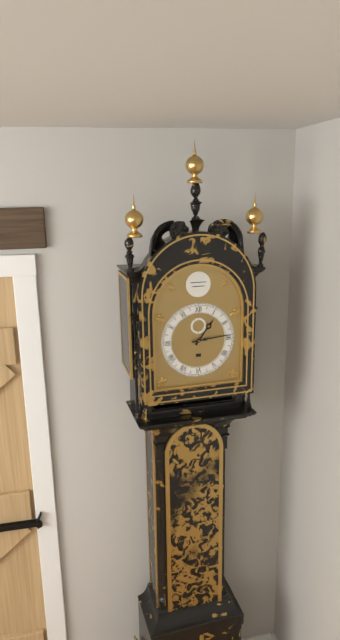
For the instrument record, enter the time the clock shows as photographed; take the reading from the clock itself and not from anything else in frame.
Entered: 1:14
